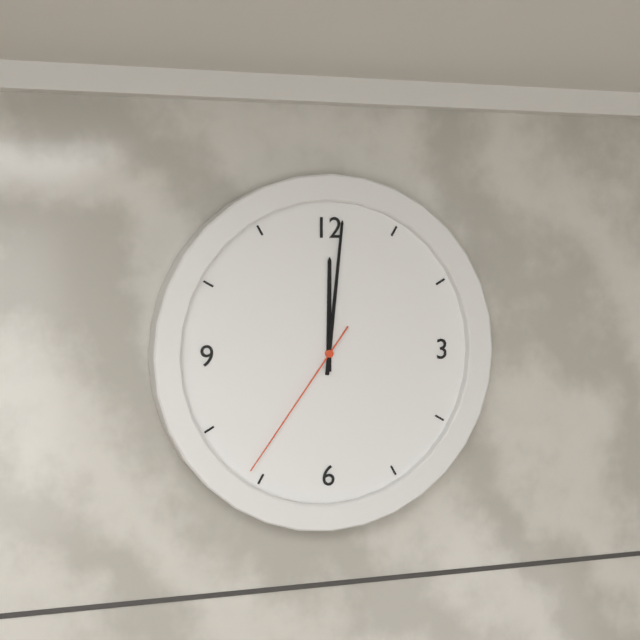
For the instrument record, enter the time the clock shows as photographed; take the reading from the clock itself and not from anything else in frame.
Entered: 12:01:36
